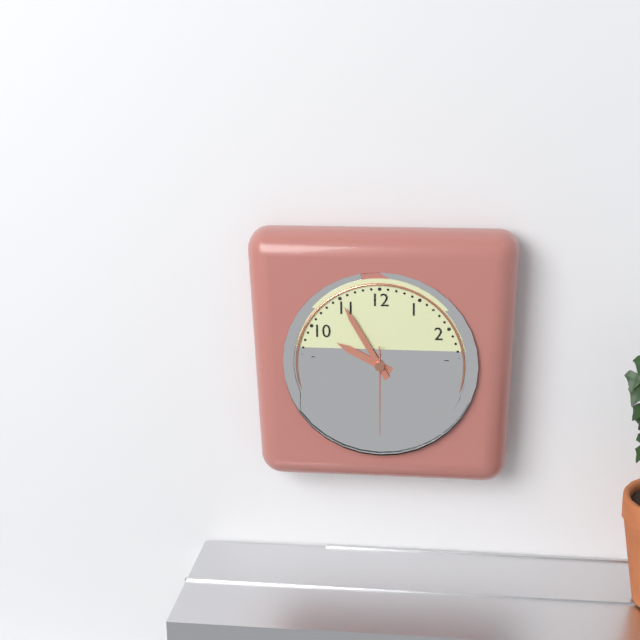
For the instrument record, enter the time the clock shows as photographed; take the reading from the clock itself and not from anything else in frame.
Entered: 9:55:30
